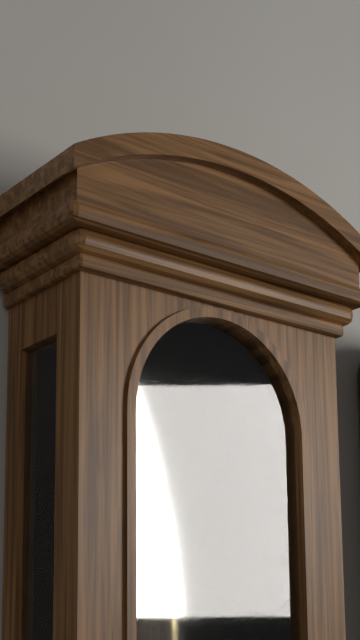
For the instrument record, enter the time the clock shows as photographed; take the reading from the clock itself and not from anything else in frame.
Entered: 6:40
